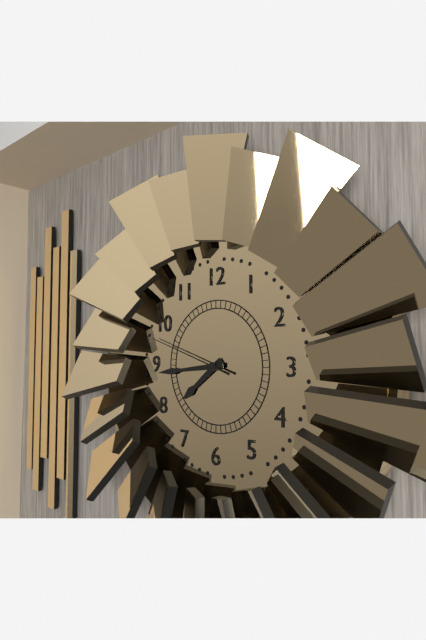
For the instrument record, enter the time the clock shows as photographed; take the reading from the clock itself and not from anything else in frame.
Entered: 7:44:48
